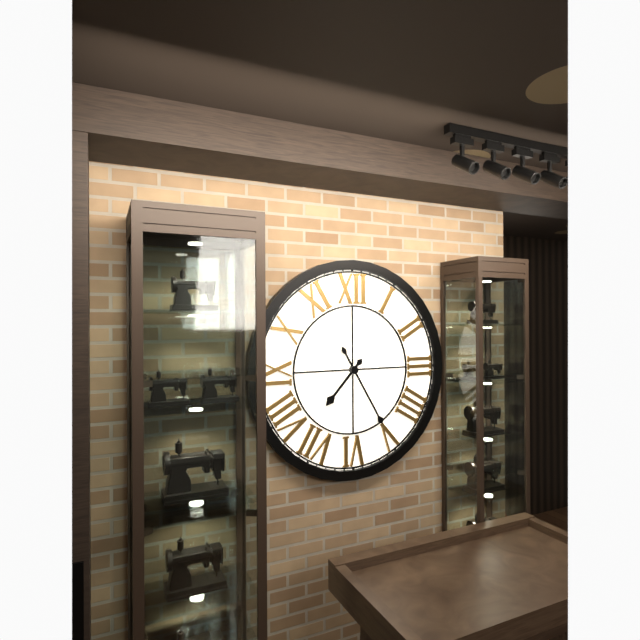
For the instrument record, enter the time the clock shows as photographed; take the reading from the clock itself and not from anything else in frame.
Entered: 7:25
